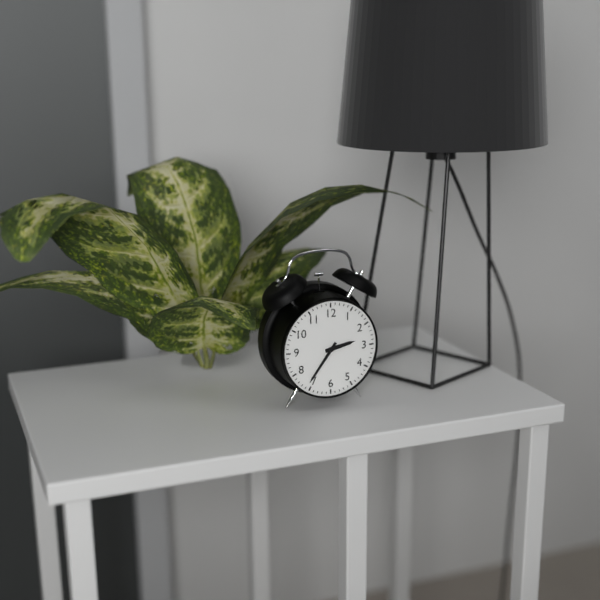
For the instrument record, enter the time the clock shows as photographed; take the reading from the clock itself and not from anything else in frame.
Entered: 2:36
